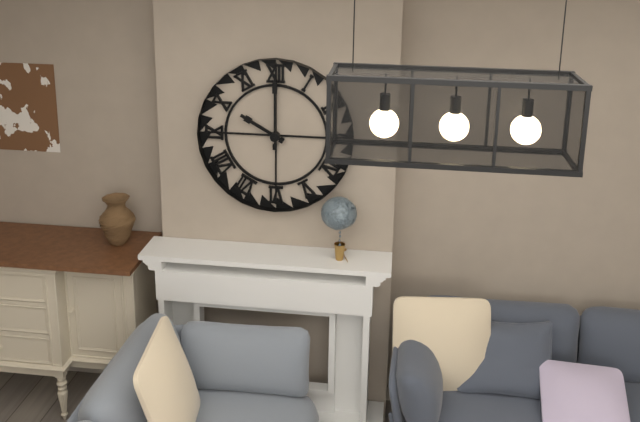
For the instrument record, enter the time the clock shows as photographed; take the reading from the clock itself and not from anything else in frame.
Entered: 10:00
